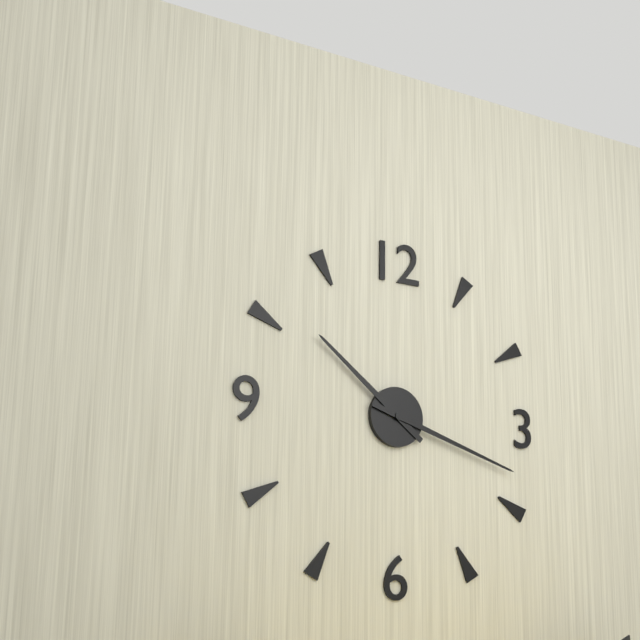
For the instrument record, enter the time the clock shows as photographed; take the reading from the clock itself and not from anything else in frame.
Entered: 10:18
